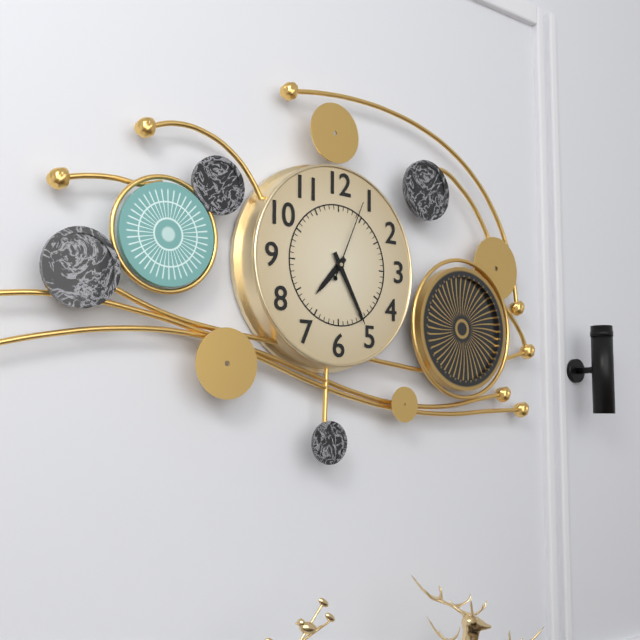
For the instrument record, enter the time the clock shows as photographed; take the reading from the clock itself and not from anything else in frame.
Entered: 7:25:04
